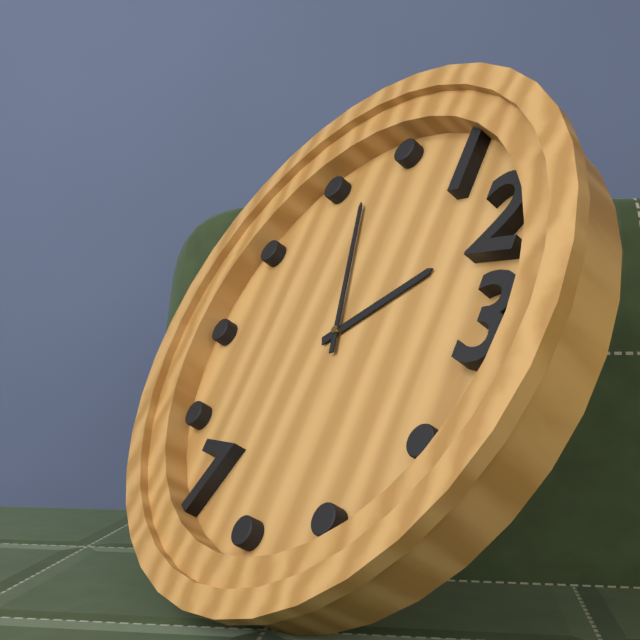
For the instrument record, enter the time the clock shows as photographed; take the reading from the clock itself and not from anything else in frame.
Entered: 1:57
